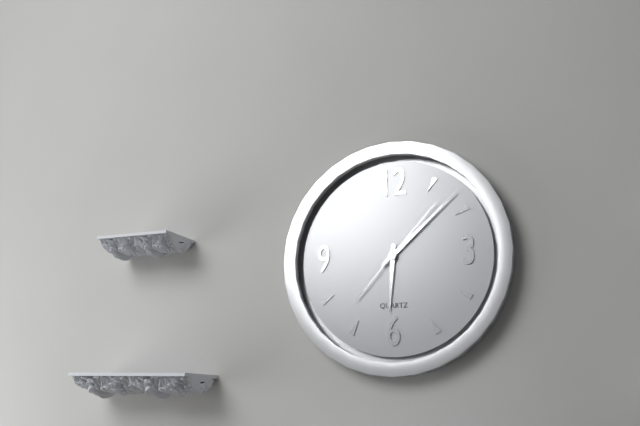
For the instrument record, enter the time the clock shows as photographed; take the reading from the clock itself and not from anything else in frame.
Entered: 6:08:07
